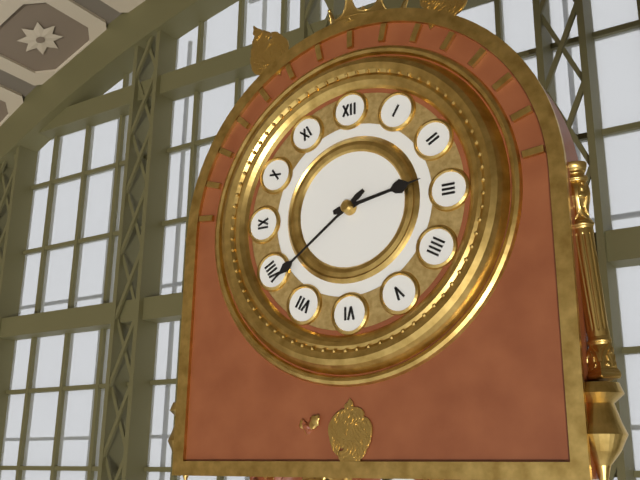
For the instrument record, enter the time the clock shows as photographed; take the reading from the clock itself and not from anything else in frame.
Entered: 2:39
